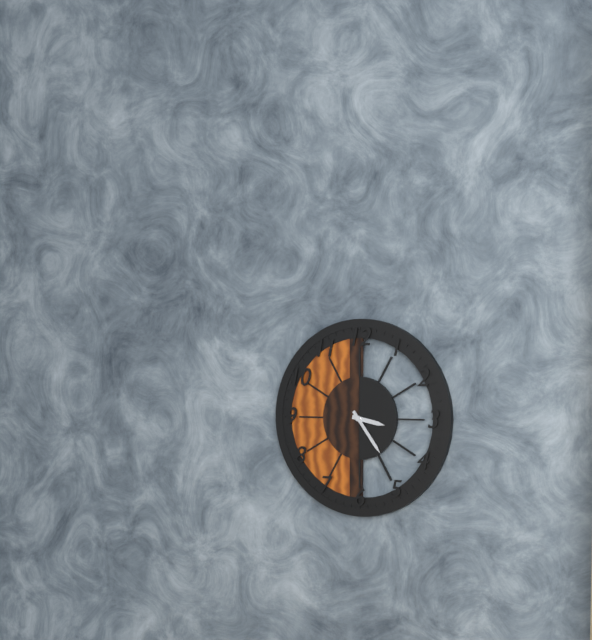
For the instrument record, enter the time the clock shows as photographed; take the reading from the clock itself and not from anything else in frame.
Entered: 3:24
